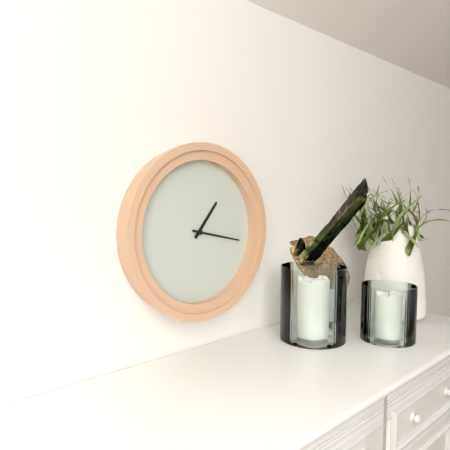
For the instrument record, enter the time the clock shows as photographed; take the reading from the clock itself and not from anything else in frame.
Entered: 1:17
